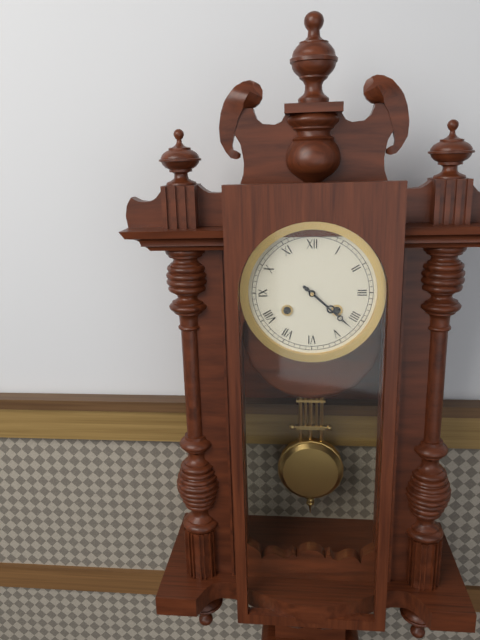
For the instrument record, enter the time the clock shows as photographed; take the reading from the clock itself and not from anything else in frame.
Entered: 4:22
